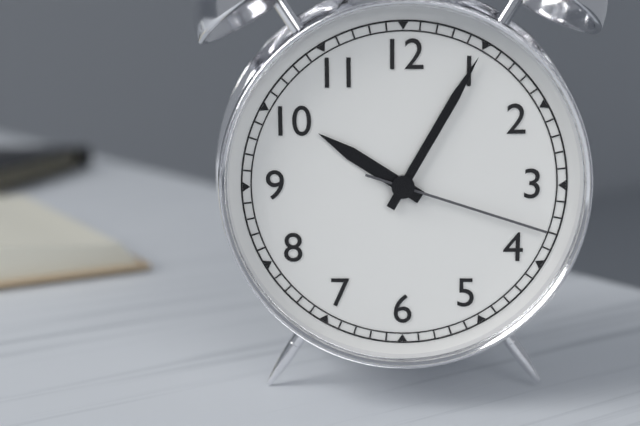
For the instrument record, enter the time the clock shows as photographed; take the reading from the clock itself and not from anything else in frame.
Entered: 10:05:18
